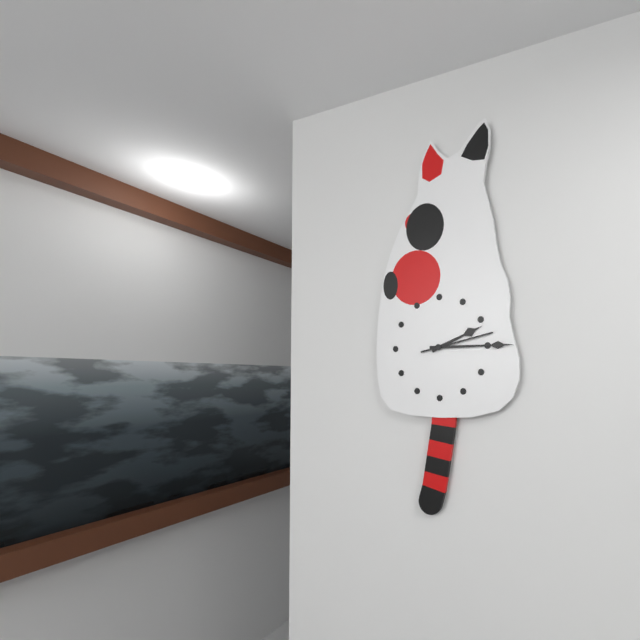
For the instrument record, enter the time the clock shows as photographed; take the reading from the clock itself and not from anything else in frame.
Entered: 2:15:13
